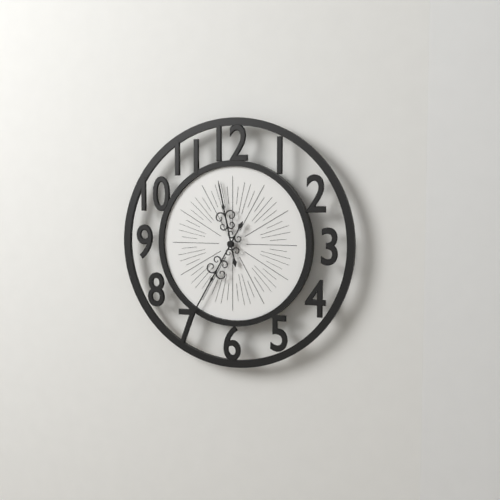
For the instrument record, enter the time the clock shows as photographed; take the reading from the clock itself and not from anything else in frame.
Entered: 11:35
